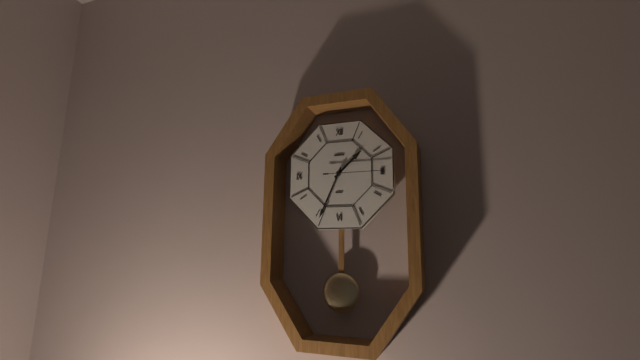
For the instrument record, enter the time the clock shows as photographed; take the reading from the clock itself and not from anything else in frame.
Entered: 1:34
